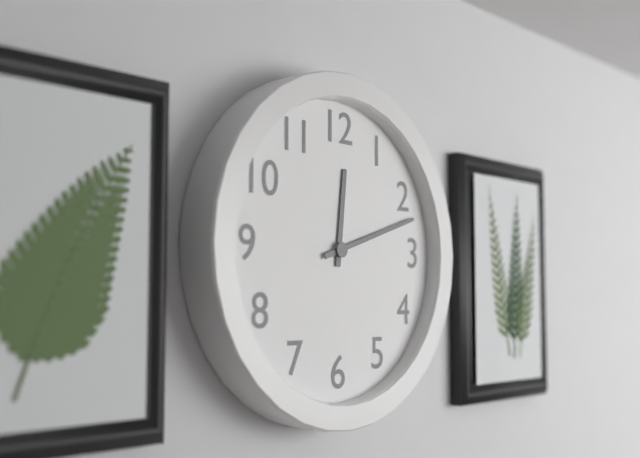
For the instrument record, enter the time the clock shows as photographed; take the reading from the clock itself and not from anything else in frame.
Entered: 12:12
